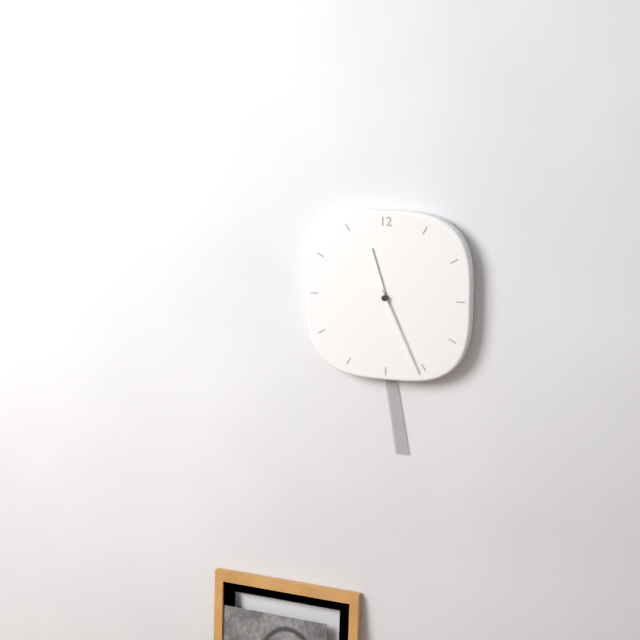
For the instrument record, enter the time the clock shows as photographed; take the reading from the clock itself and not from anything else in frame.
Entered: 11:26
